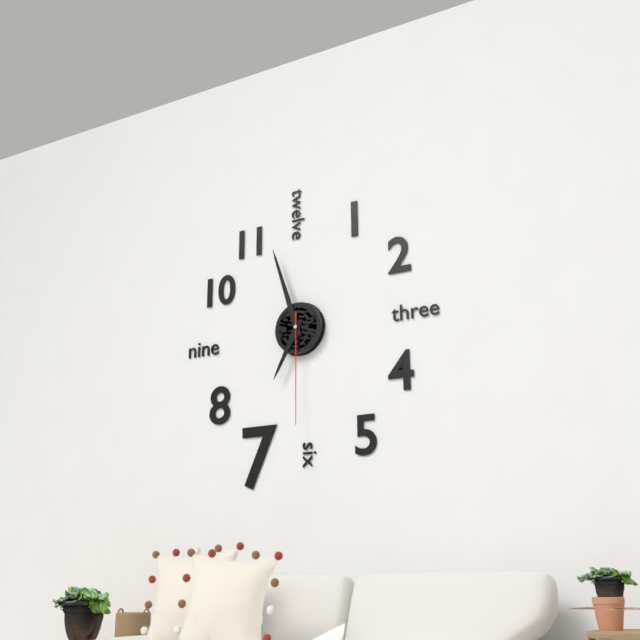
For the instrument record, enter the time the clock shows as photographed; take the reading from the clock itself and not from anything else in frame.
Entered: 6:57:30
